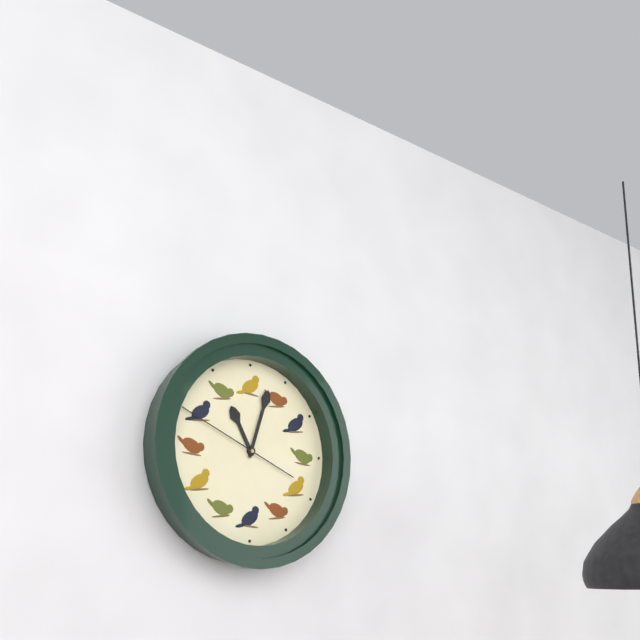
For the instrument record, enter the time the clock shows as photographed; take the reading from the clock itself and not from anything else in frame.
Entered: 11:03:49
